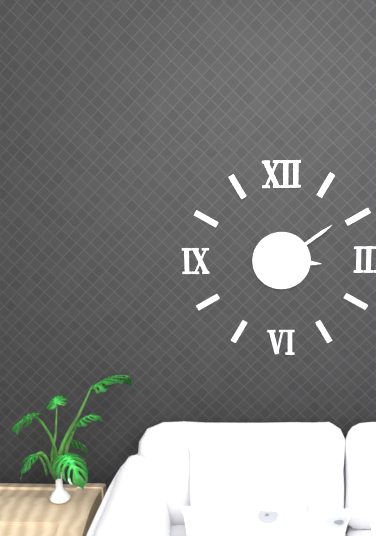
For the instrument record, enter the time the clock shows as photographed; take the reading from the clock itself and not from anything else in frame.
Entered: 3:09
